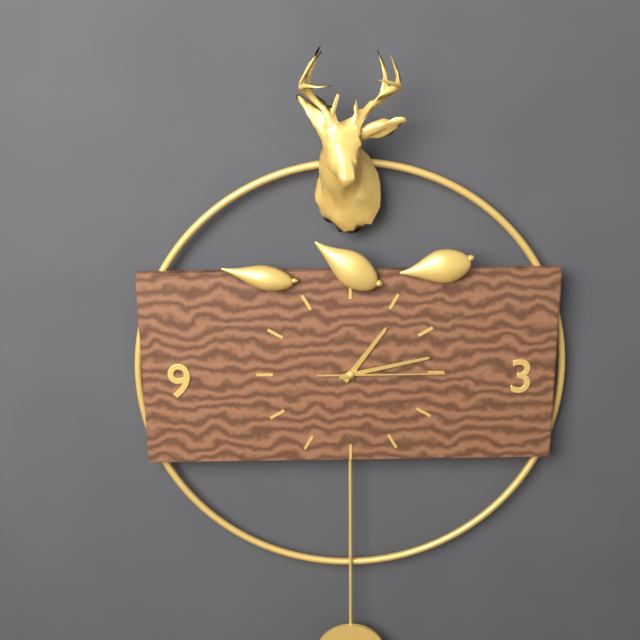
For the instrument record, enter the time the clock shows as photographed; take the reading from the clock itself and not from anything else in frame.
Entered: 1:13:15
